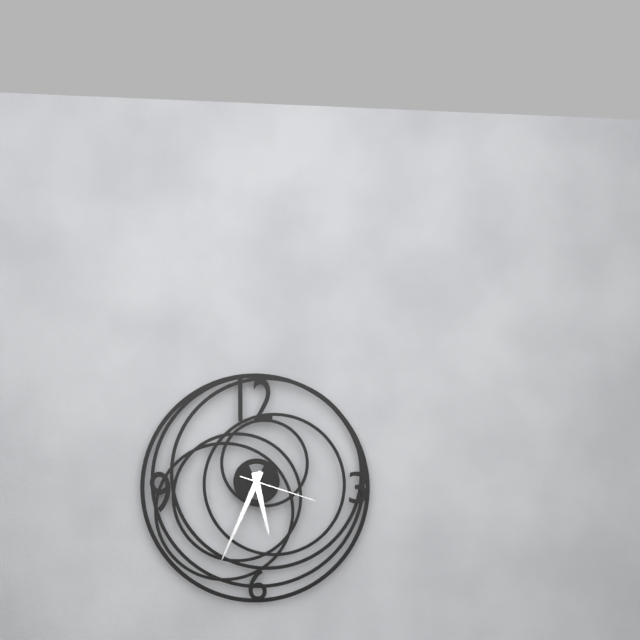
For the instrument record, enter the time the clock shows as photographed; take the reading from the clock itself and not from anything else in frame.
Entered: 5:34:18
